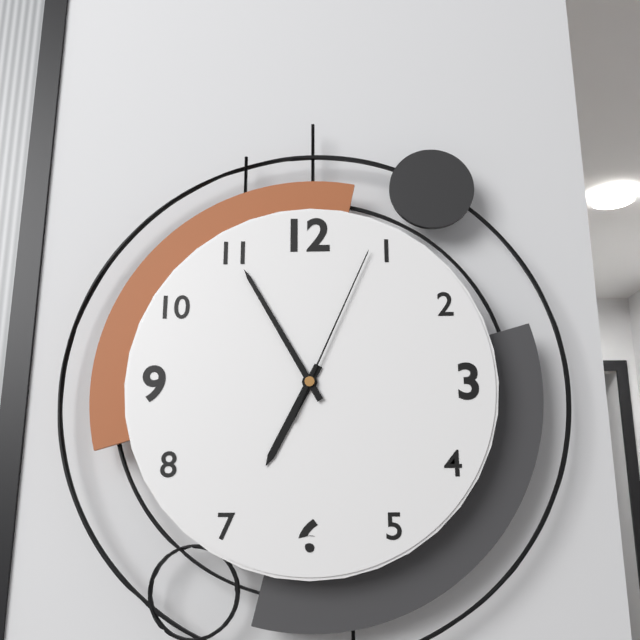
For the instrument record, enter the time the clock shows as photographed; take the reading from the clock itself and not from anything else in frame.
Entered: 6:55:04
